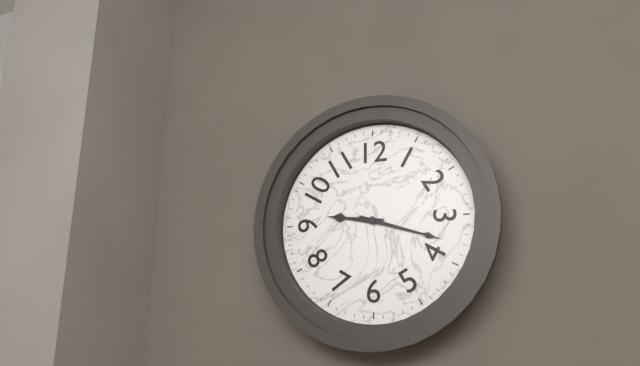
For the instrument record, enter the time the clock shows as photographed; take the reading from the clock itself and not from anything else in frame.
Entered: 9:18
